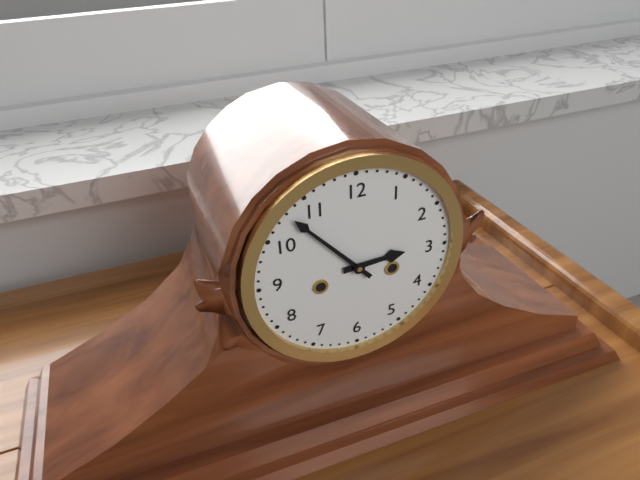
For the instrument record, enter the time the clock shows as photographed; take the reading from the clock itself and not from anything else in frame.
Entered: 2:53
